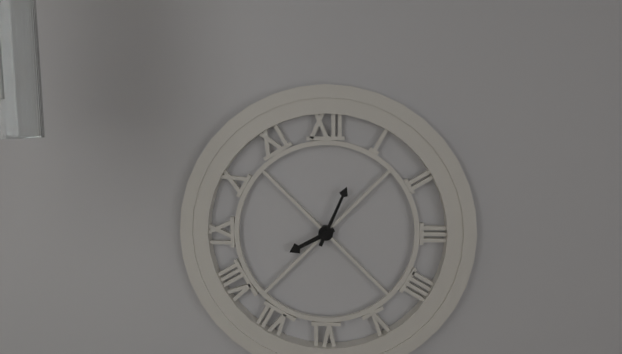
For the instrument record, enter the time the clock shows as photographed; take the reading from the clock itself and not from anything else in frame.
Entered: 8:04
